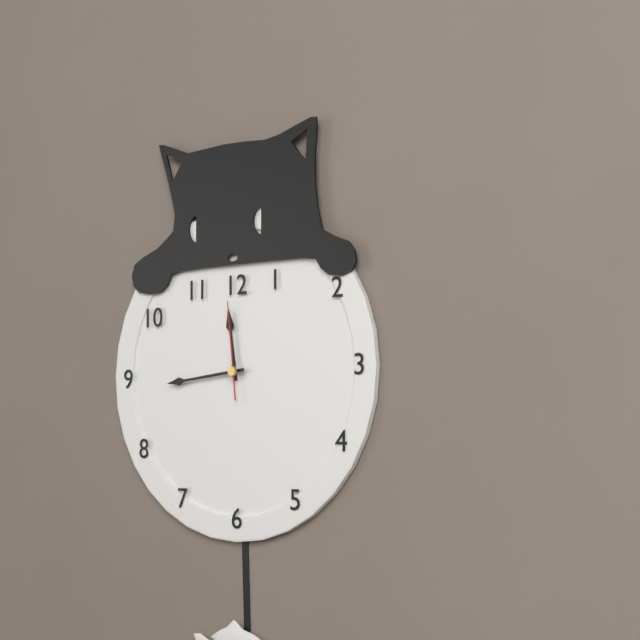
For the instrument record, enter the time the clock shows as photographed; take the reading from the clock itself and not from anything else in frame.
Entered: 11:44:59
